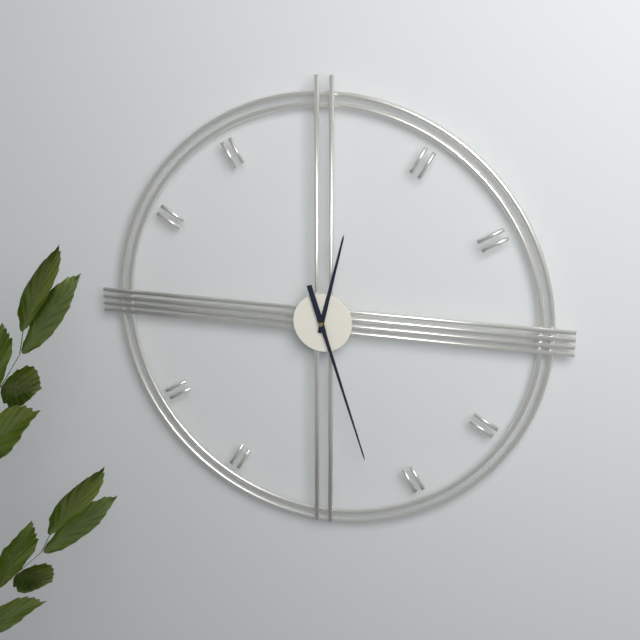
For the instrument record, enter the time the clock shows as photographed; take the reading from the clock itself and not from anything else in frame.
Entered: 12:27
